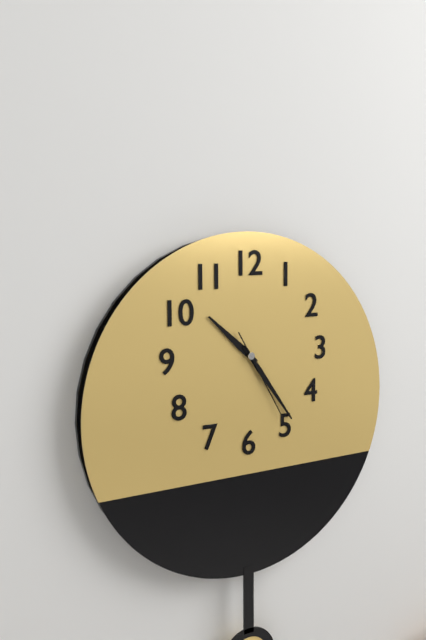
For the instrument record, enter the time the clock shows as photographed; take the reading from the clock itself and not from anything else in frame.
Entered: 10:24:25
